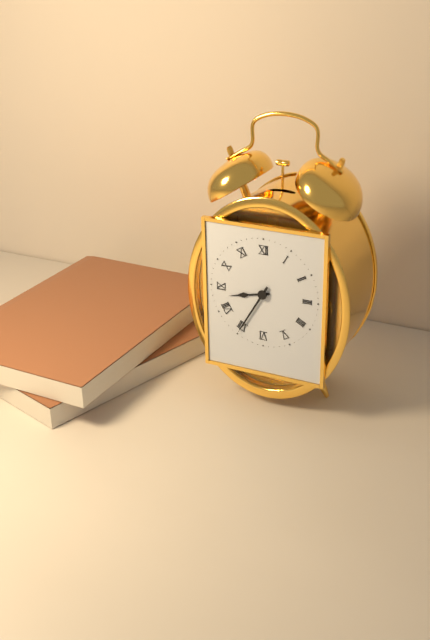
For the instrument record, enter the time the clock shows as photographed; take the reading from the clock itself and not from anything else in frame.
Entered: 8:35
